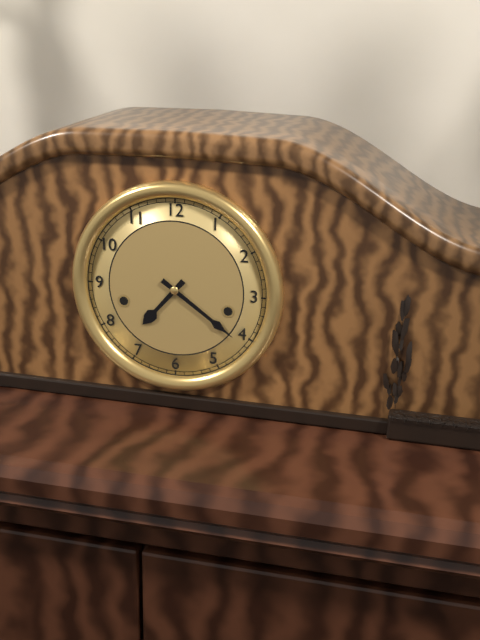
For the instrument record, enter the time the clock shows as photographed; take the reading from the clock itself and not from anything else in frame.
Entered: 7:21
